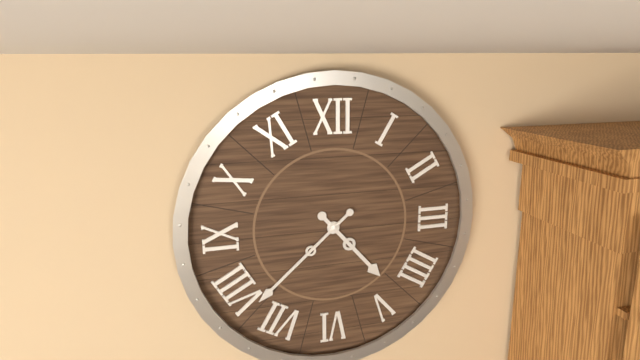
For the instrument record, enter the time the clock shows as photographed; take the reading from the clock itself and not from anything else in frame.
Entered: 4:38
